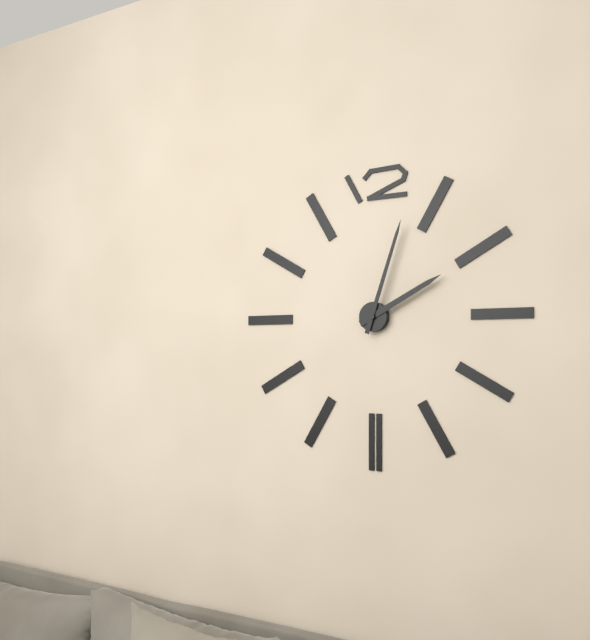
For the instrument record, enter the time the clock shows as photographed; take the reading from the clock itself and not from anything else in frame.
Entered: 2:03
